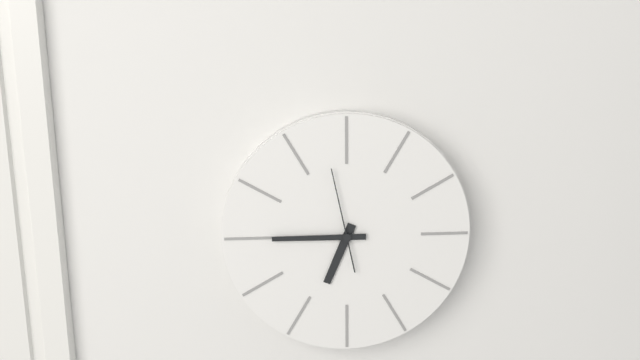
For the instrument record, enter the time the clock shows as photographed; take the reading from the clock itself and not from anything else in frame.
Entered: 6:45:58
